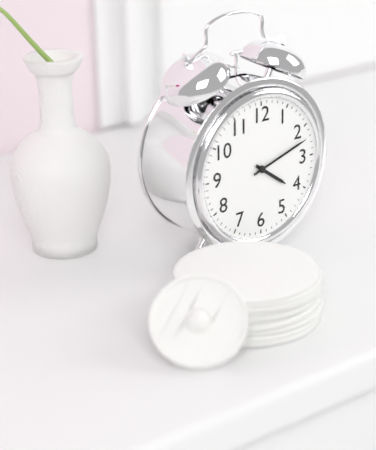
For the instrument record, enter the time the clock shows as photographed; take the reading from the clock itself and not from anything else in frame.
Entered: 4:12
